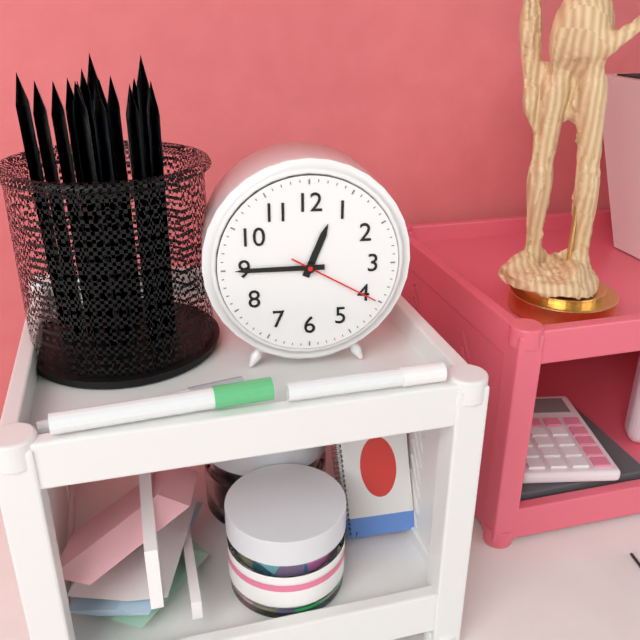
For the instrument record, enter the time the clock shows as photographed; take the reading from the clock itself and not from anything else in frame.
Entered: 12:45:20
